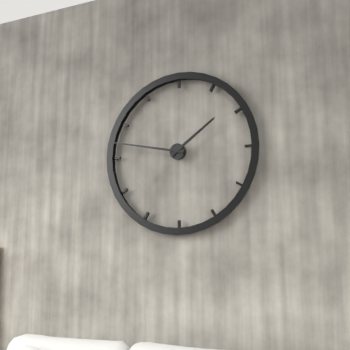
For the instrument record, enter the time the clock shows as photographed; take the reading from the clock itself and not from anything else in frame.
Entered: 1:47
